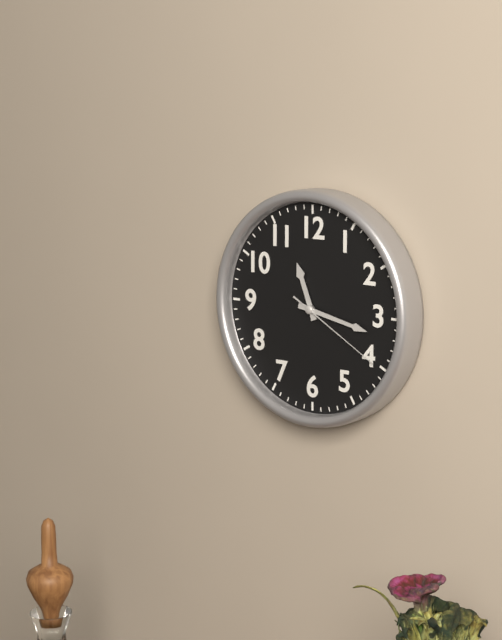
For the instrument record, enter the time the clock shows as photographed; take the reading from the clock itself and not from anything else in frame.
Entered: 11:17:20
